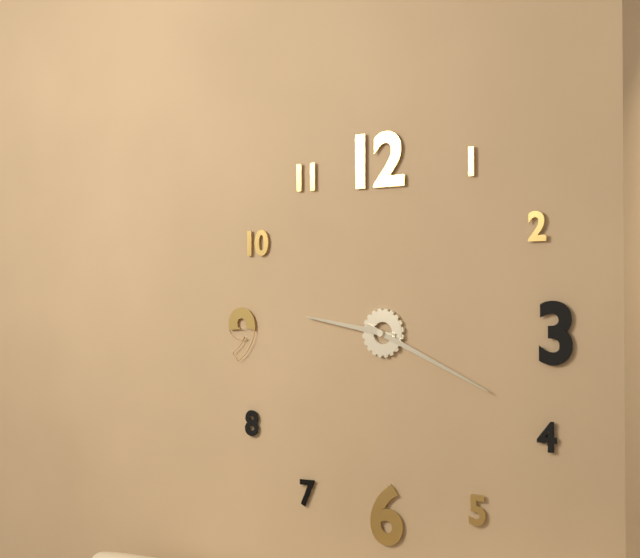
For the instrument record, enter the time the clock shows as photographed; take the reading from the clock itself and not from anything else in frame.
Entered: 9:19
